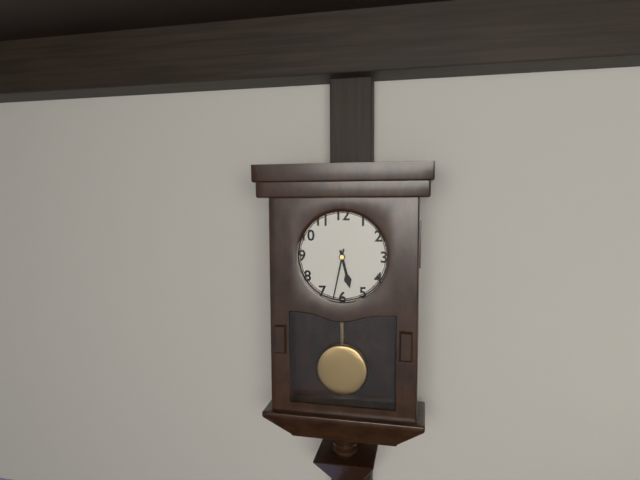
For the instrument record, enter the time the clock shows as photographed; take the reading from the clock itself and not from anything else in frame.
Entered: 5:32
